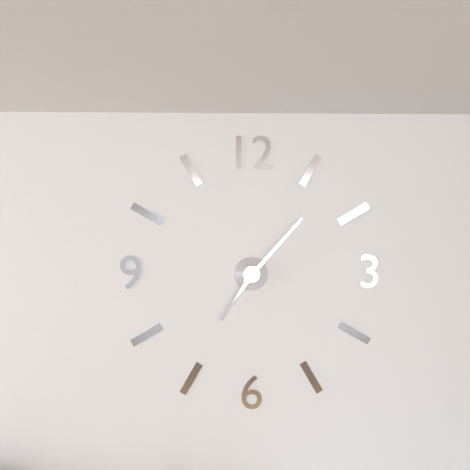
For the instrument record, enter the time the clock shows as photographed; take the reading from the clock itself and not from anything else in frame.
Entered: 7:07
